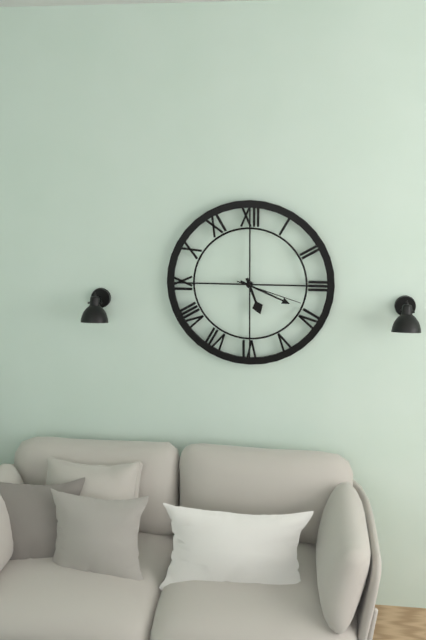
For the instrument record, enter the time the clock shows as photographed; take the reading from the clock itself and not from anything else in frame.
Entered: 5:19:18
